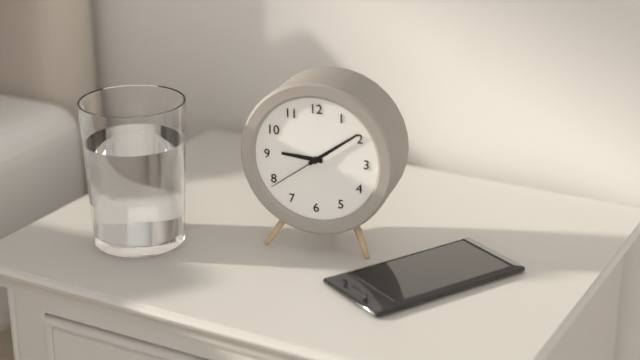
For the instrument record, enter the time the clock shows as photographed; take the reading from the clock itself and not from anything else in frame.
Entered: 9:09:39
